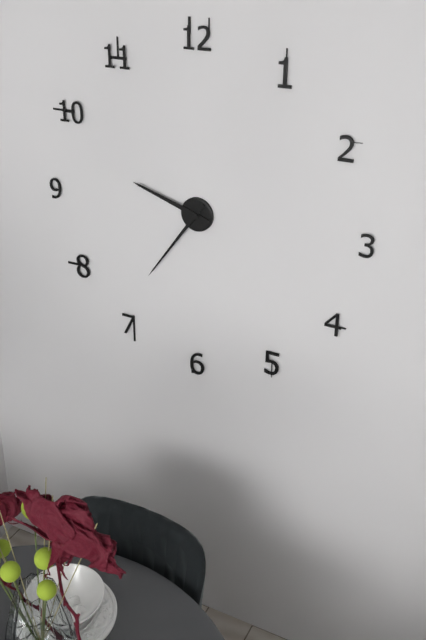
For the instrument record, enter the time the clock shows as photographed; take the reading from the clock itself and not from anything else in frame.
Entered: 9:36
